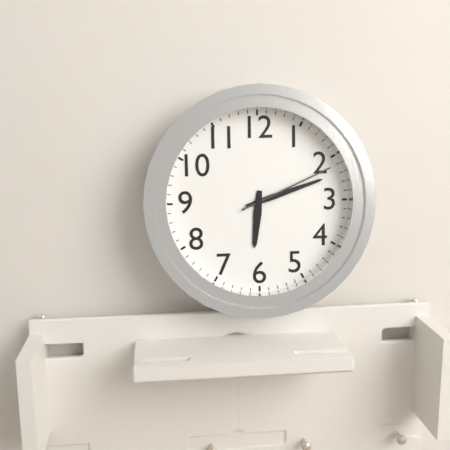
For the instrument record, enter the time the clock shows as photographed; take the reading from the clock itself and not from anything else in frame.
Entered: 6:12:11
